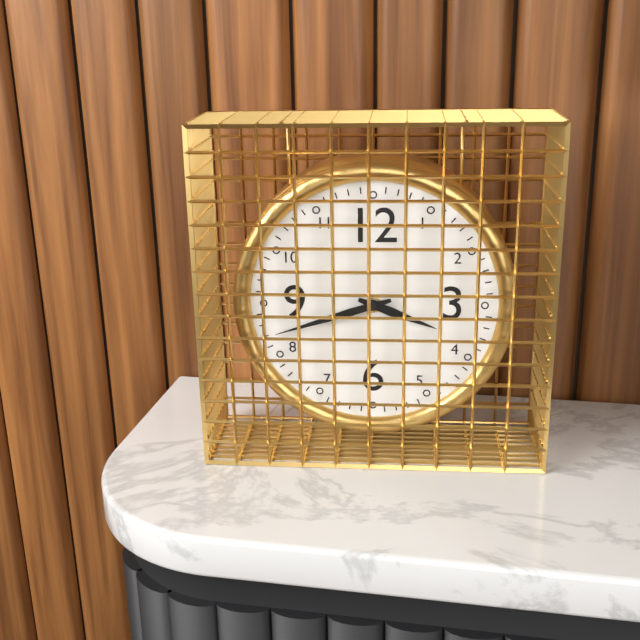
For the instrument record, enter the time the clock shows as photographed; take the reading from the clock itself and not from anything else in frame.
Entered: 3:42
